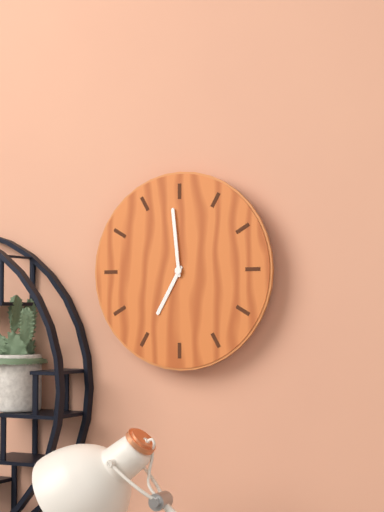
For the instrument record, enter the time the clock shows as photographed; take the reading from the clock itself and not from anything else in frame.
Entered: 6:59
